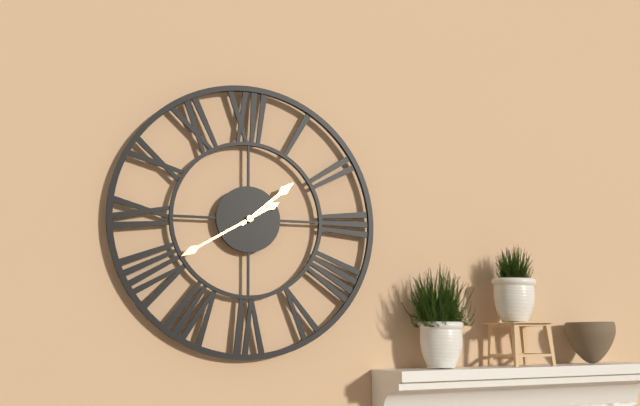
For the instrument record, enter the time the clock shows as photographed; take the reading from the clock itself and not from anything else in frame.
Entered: 1:40
